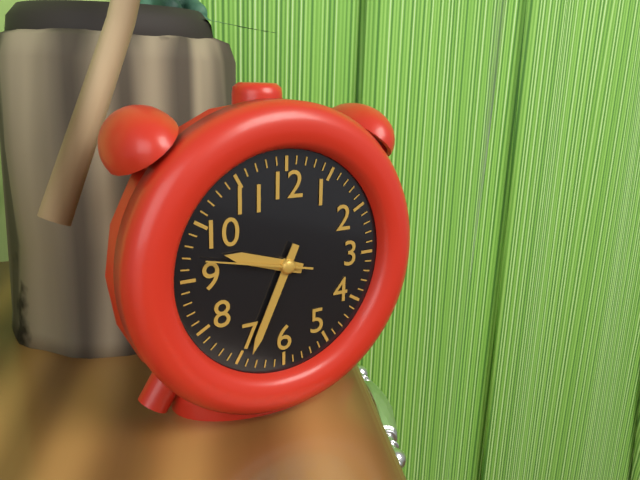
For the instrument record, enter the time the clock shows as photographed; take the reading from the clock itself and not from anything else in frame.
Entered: 9:34:47
